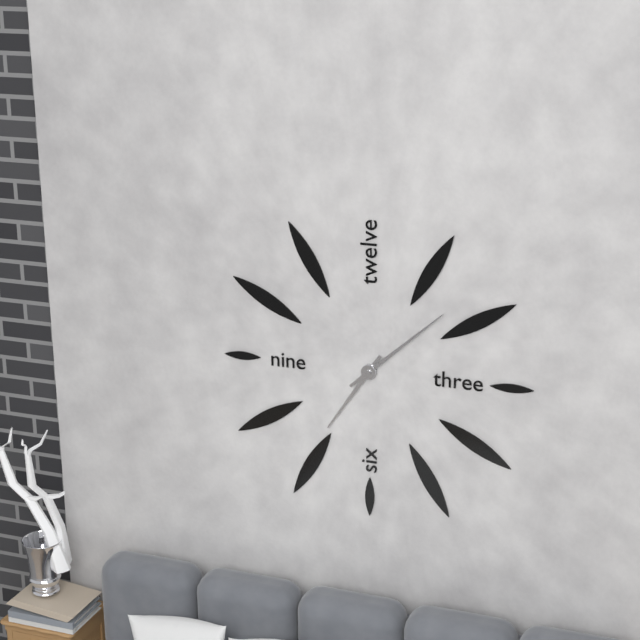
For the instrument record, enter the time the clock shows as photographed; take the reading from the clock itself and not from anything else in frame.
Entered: 7:08
